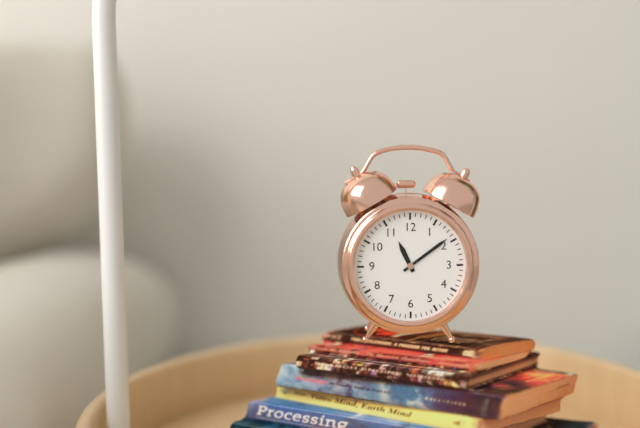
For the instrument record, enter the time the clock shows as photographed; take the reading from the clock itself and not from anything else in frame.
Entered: 11:09
